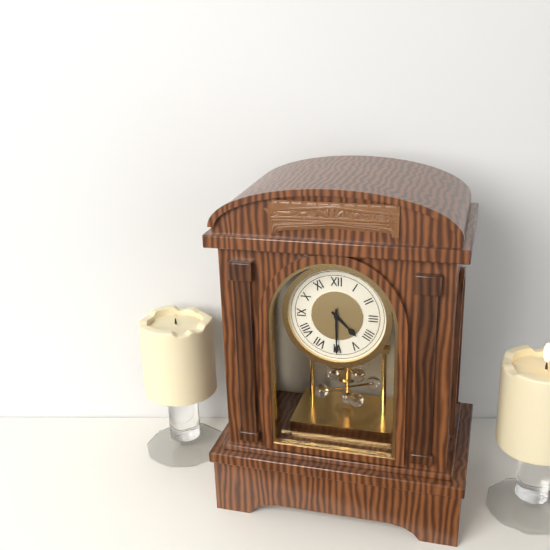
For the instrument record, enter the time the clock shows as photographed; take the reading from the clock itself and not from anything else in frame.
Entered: 4:30
